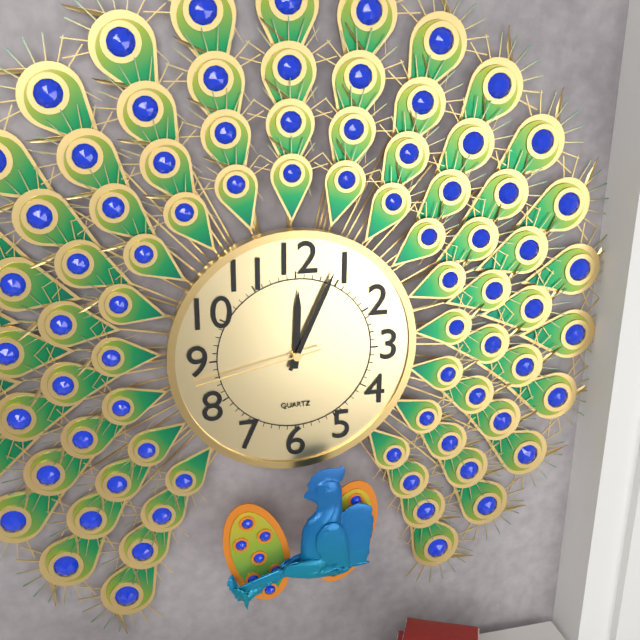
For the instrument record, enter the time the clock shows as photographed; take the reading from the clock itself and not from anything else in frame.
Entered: 12:04:43
